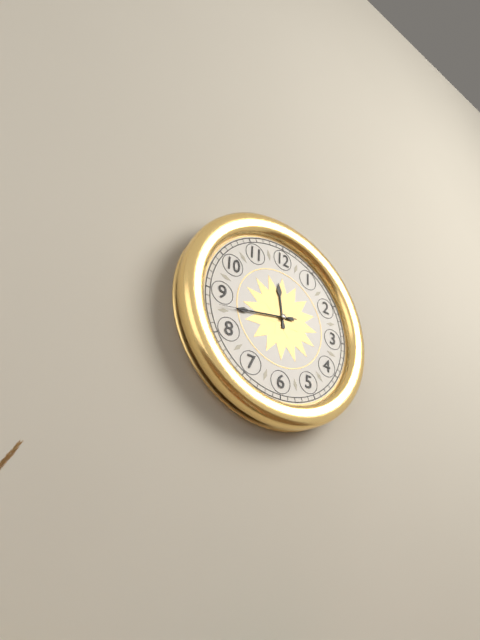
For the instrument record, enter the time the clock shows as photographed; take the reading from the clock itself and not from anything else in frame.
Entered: 11:43:43
